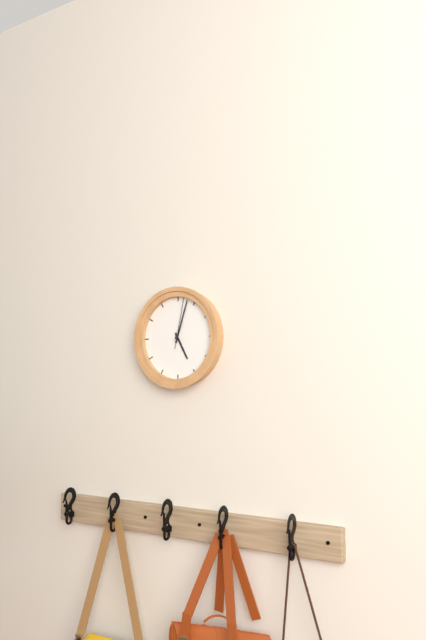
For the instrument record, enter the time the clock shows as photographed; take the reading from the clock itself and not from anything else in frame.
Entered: 5:03:02
